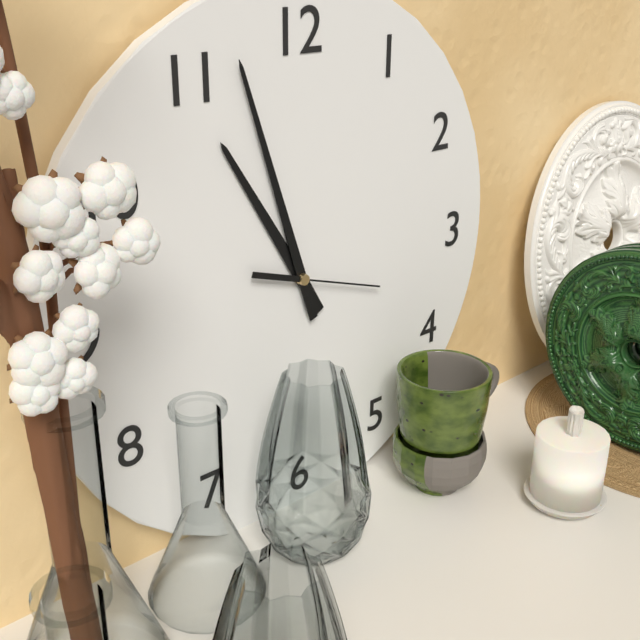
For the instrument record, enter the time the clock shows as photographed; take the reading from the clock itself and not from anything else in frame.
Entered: 10:57:18
